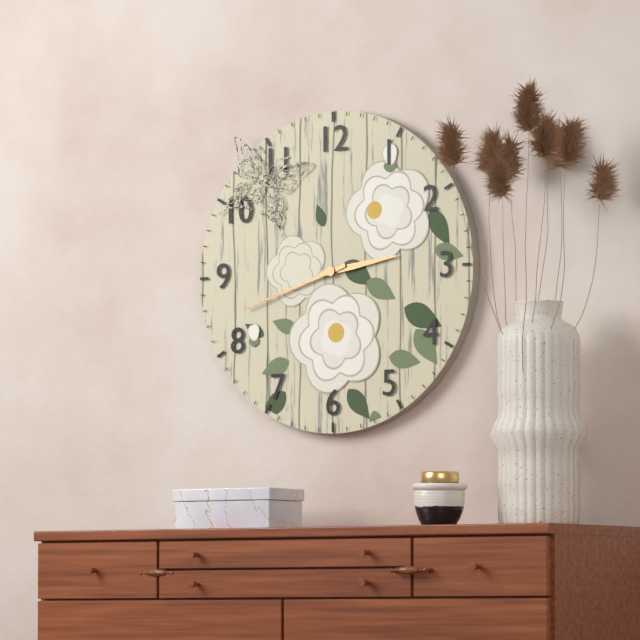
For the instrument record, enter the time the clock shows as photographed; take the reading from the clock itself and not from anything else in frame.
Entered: 2:42
